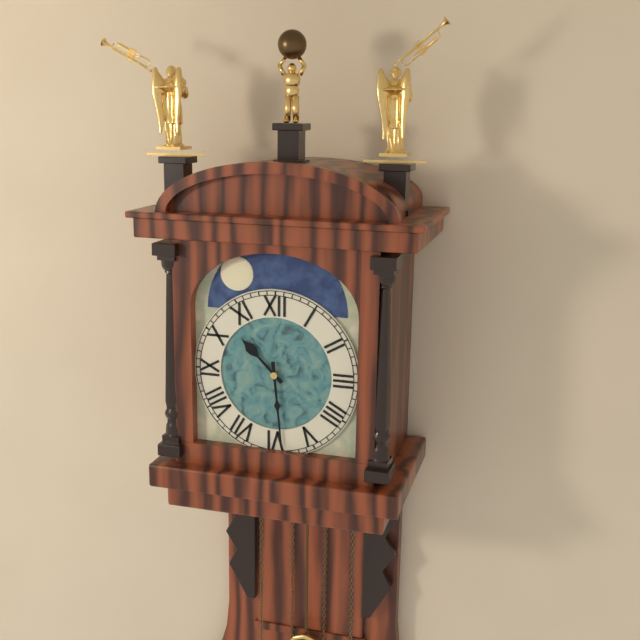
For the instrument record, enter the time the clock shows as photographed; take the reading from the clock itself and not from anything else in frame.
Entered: 10:29
